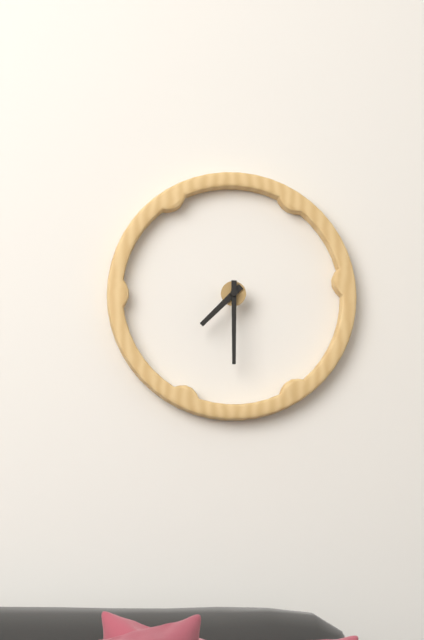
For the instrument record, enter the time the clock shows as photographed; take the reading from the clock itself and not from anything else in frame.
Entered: 7:30
